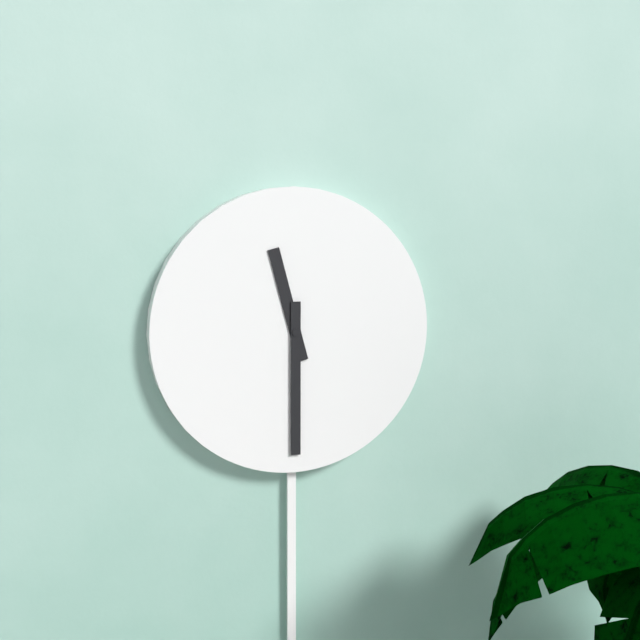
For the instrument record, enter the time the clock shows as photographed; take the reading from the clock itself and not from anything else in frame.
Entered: 11:30
